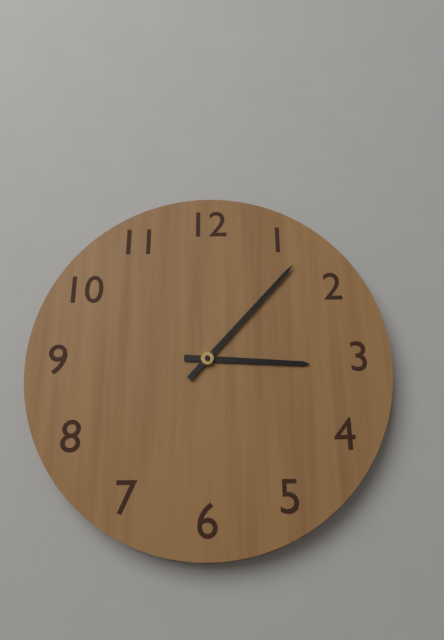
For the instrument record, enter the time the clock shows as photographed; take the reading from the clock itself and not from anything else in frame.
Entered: 3:07
